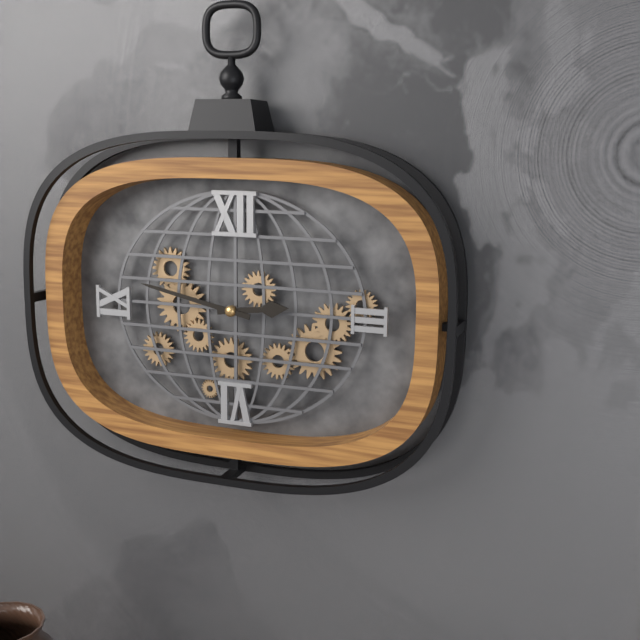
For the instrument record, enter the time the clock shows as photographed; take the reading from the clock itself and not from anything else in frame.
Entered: 2:47
